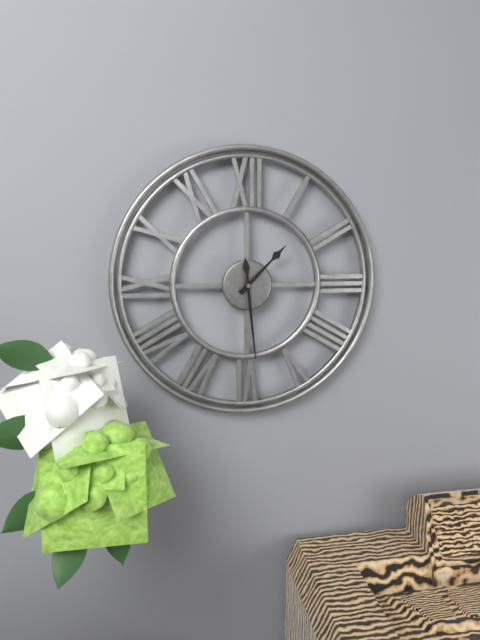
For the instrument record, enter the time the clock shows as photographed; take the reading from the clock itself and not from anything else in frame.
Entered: 1:29
